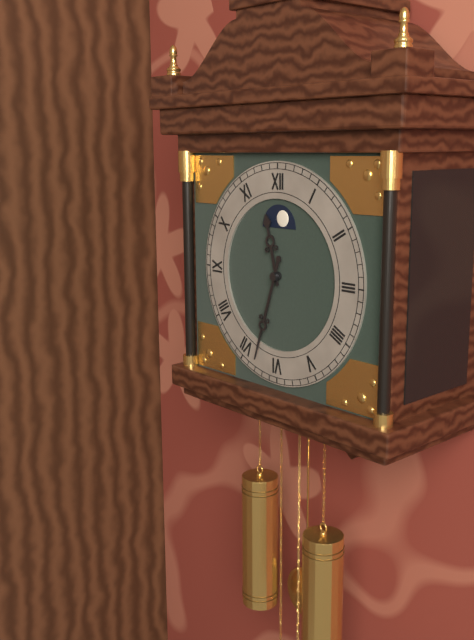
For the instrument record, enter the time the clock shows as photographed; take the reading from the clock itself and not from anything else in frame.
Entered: 11:33
